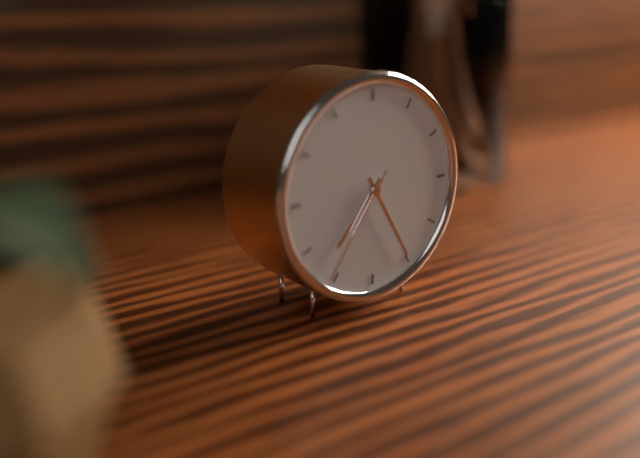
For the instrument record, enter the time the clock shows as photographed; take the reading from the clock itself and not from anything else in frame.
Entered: 7:25:36
